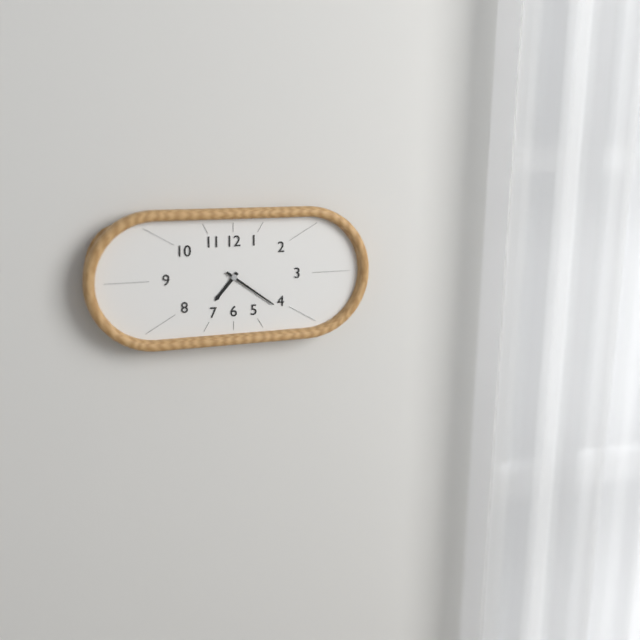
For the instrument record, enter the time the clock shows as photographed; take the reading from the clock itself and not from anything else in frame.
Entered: 7:21
